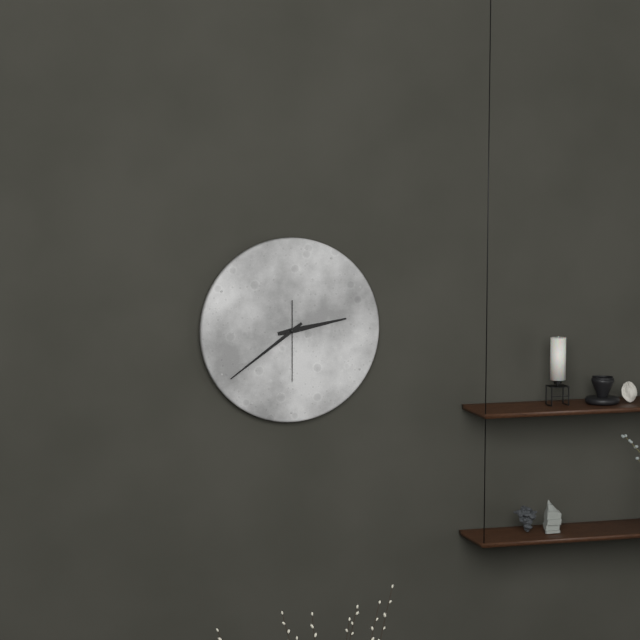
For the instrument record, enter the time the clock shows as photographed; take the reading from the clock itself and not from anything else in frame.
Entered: 2:39:30
